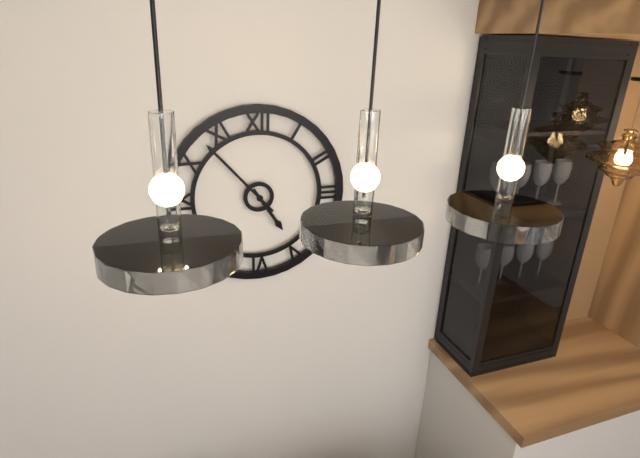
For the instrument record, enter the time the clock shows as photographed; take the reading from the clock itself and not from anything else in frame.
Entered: 4:53
